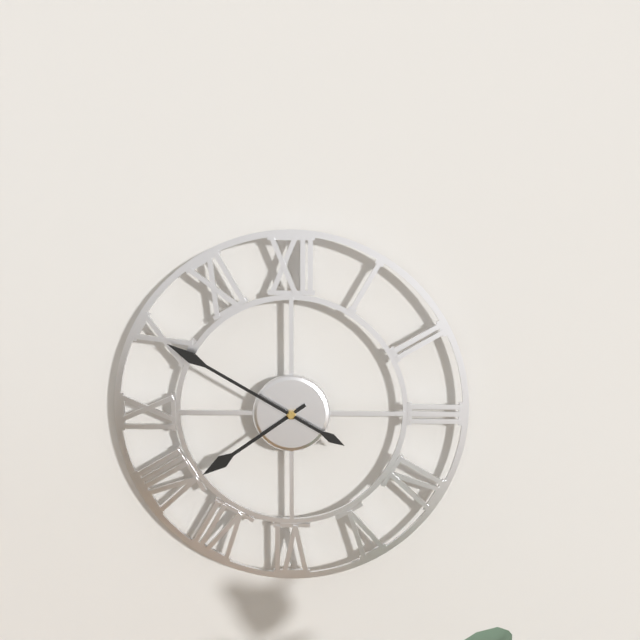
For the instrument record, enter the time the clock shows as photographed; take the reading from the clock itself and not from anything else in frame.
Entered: 7:50
